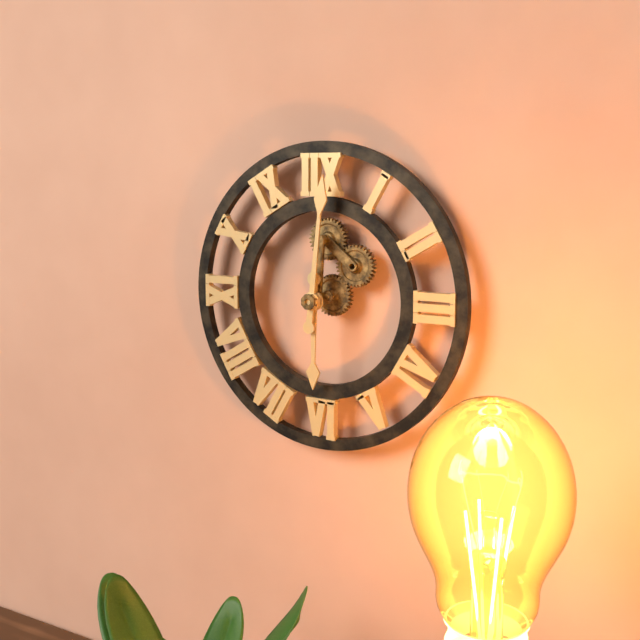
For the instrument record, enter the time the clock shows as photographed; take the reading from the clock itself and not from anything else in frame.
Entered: 6:01
